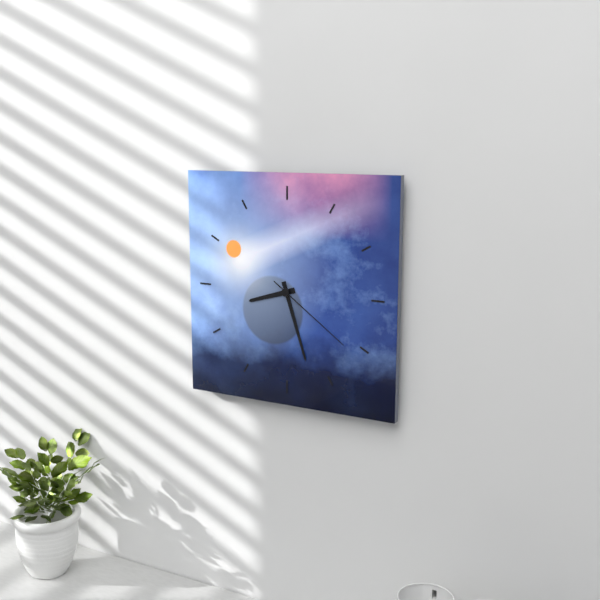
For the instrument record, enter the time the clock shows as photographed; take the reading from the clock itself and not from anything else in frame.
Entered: 8:27:21
